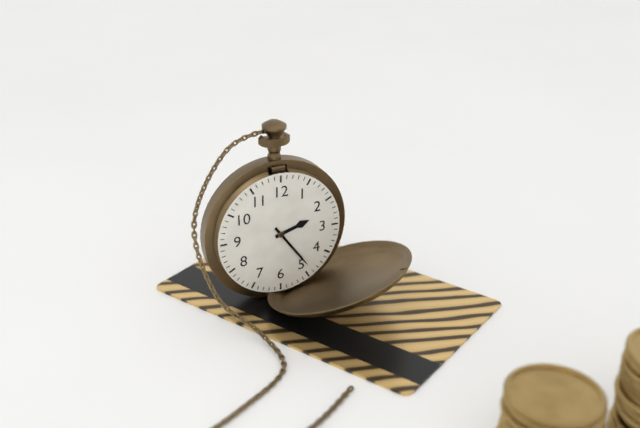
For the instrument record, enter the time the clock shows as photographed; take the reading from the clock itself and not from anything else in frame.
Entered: 2:24
